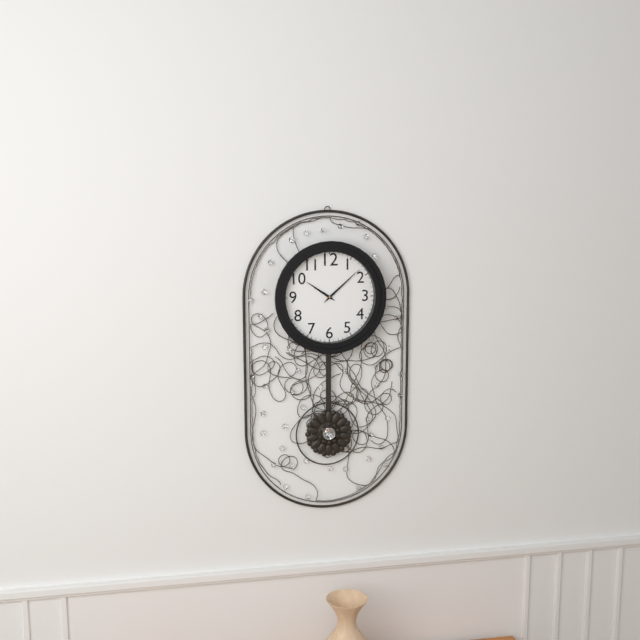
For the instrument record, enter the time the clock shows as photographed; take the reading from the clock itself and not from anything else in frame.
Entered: 10:08
